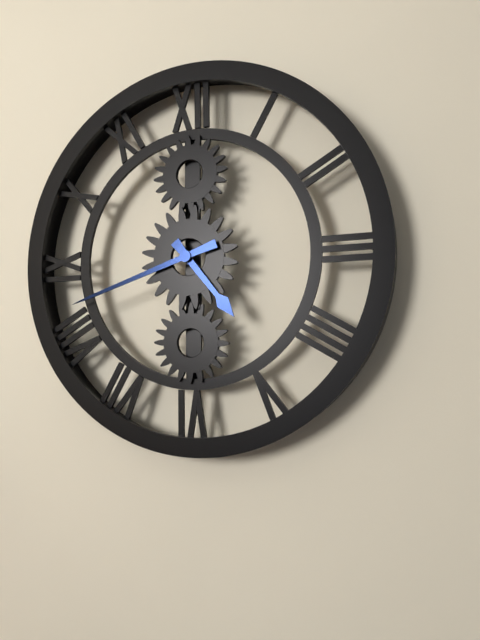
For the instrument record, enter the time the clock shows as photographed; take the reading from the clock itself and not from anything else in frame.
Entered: 4:42
